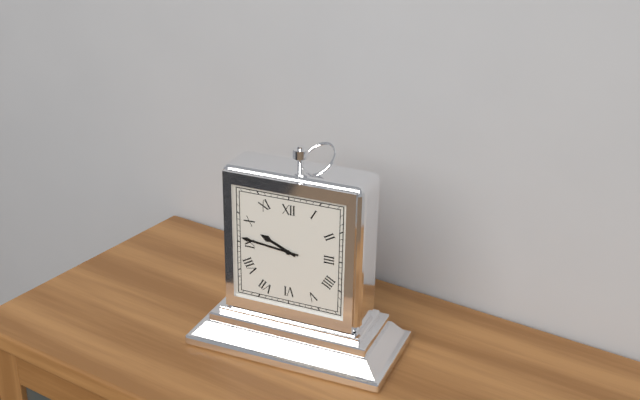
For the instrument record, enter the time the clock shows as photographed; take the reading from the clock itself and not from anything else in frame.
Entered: 9:46
